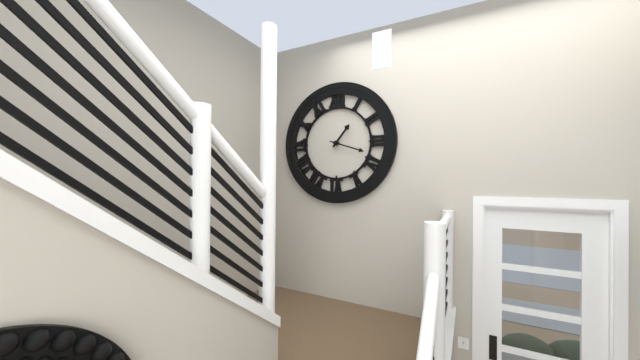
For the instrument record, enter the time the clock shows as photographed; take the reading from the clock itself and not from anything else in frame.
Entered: 1:18
